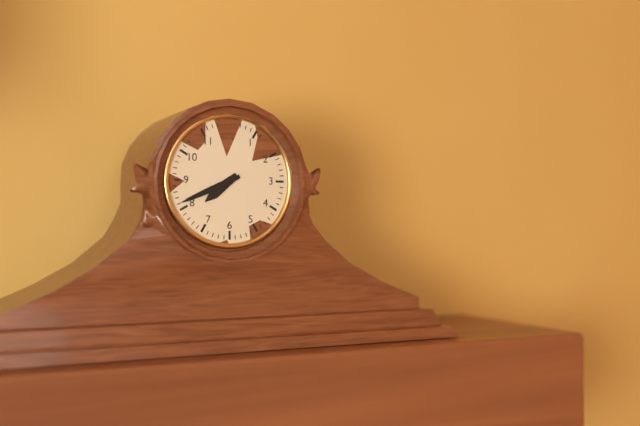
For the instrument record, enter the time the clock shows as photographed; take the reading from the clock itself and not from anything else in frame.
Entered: 7:41
